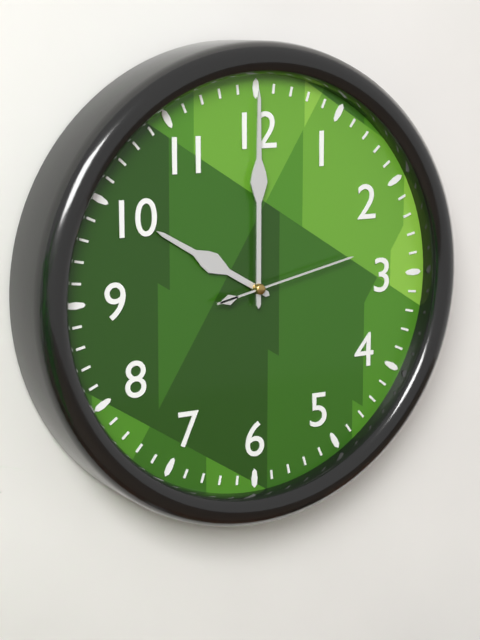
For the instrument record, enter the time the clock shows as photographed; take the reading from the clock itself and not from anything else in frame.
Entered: 10:00:13
